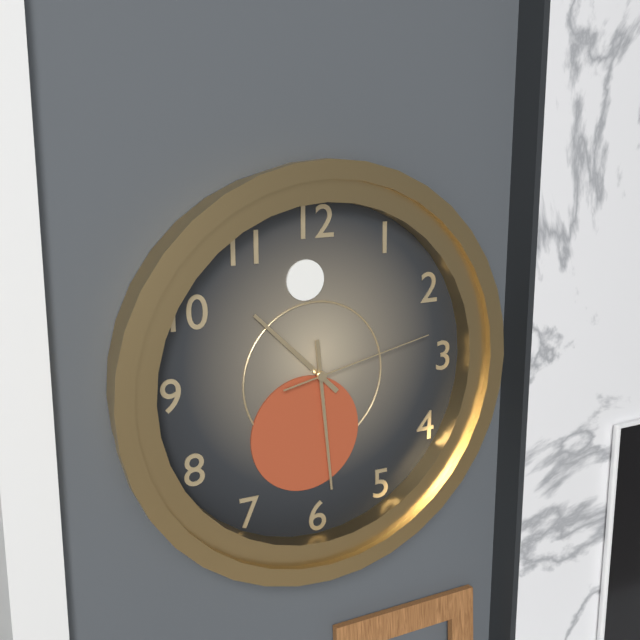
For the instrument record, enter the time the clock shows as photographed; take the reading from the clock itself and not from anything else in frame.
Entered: 10:29:13
